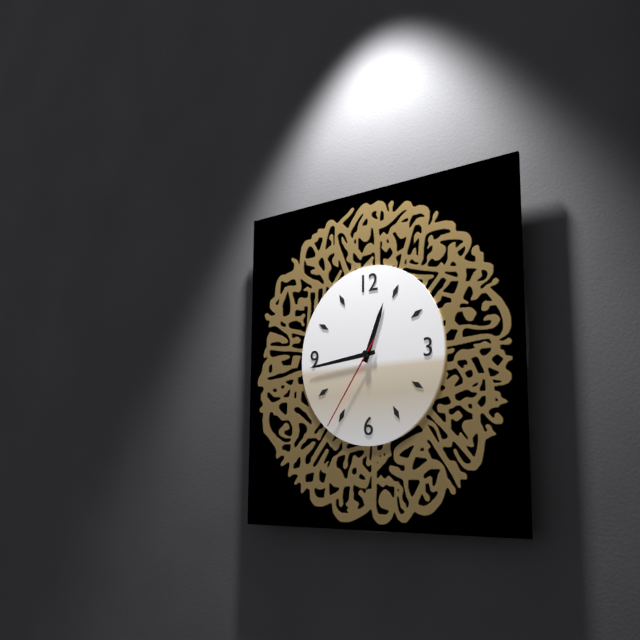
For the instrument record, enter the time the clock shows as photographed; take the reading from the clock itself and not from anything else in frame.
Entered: 12:44:36
